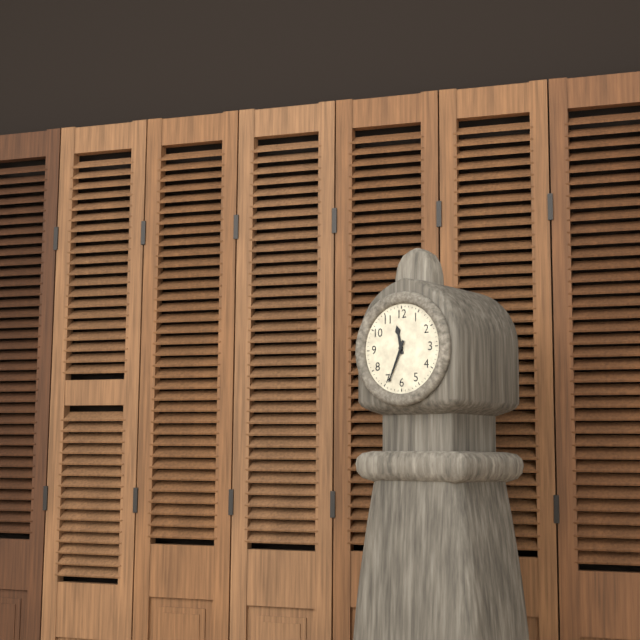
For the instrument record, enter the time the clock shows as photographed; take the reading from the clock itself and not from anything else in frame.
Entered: 11:34
